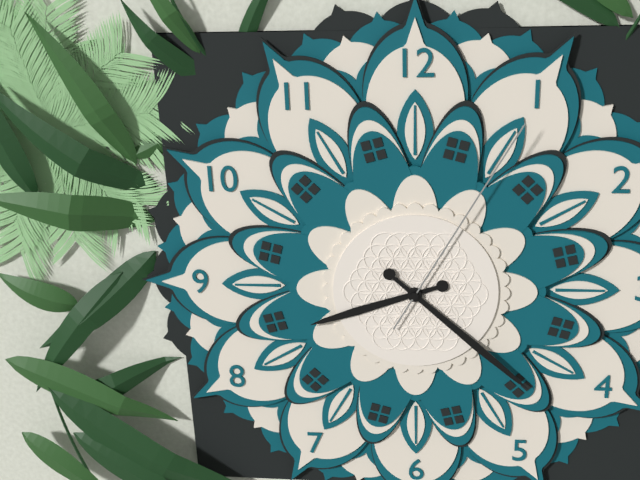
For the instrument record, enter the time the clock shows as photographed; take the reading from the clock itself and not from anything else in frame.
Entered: 8:22:05
